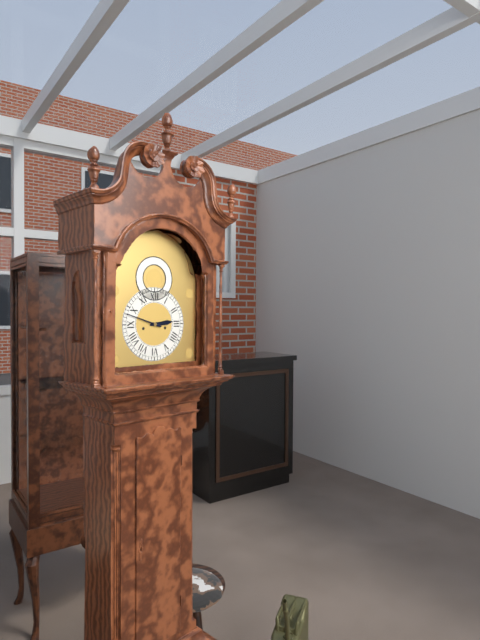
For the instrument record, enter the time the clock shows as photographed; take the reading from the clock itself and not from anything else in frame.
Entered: 2:48
